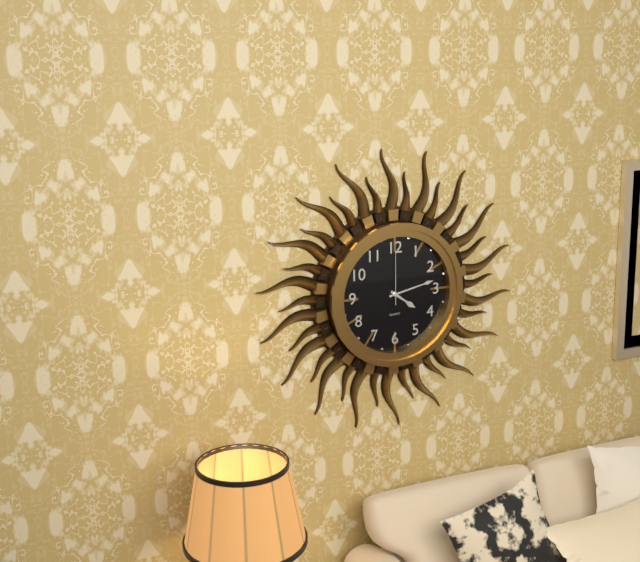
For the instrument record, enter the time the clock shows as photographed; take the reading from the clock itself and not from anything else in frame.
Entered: 4:13:00
